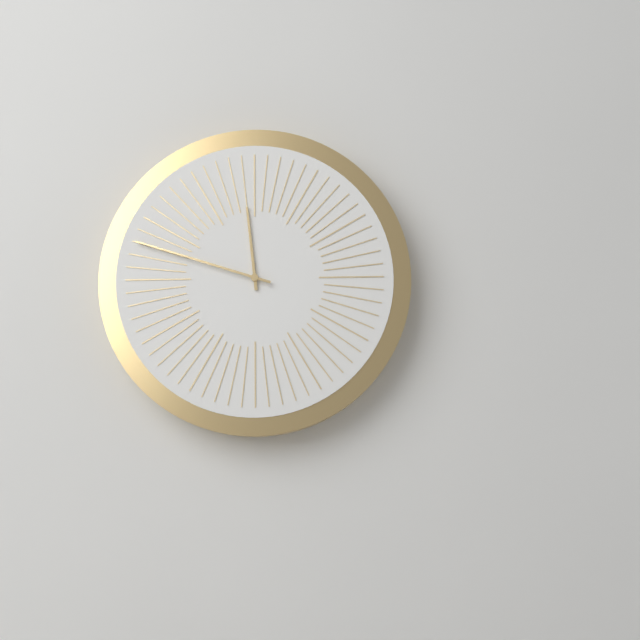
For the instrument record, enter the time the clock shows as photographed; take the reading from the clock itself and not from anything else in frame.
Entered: 11:48
